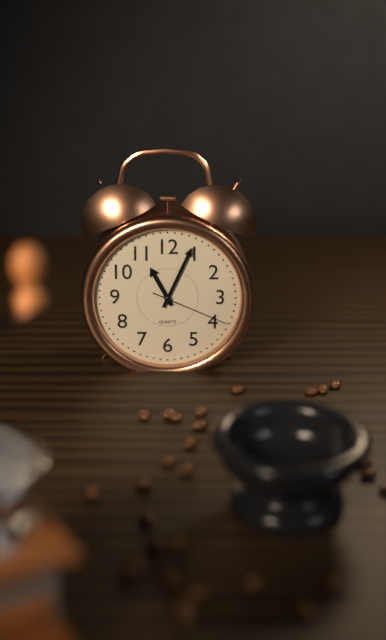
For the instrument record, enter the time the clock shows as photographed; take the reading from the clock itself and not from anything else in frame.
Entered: 11:04:19
